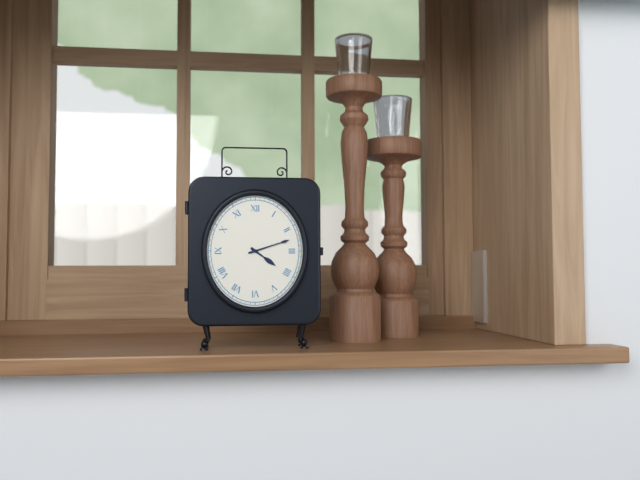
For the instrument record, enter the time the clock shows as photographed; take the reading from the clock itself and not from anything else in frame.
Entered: 4:12
